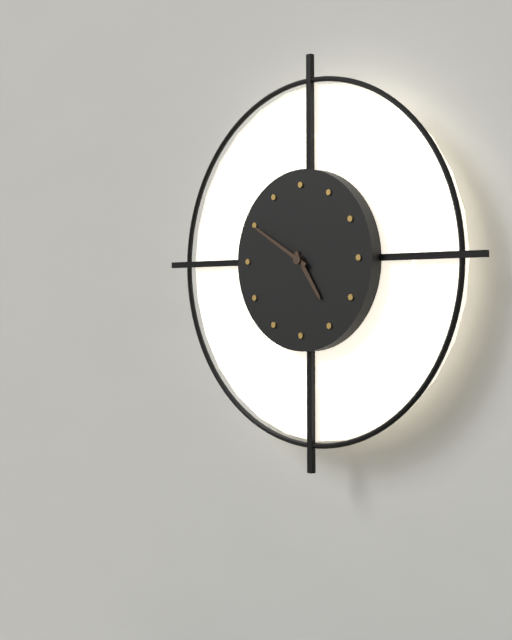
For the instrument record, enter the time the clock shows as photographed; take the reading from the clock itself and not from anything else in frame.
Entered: 4:50
